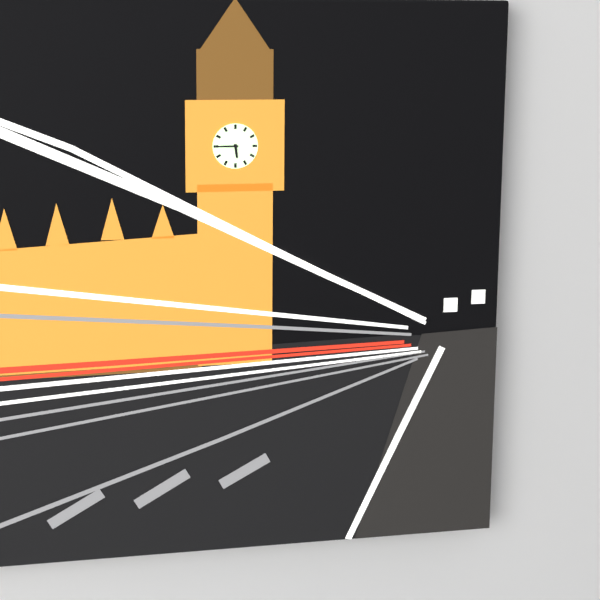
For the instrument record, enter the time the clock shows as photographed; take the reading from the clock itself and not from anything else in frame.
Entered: 5:45
